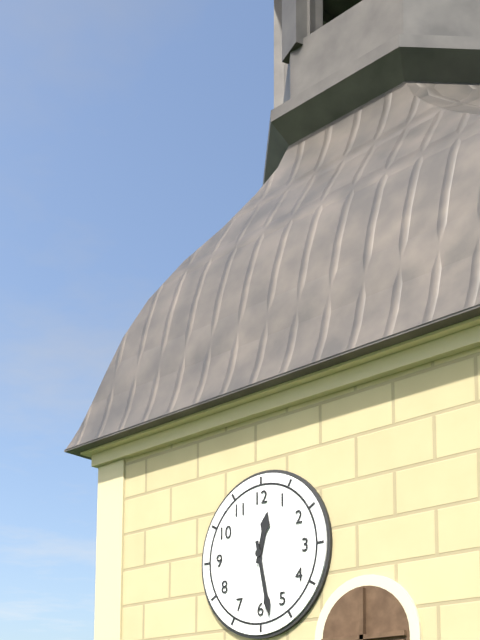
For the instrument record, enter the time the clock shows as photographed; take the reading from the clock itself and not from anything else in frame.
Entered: 12:28
